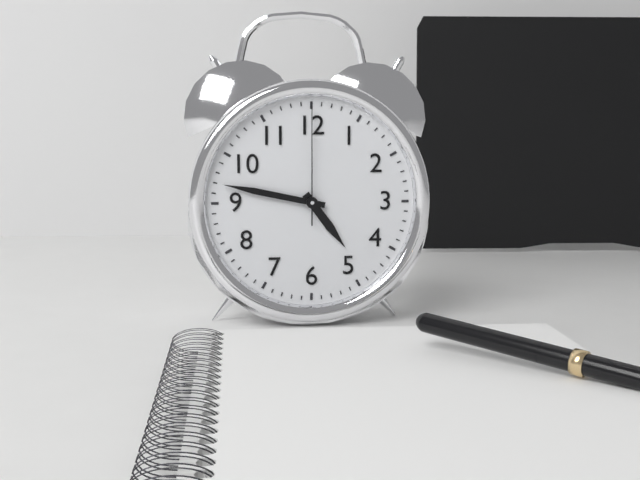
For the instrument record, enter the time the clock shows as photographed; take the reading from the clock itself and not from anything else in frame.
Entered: 4:47:00
